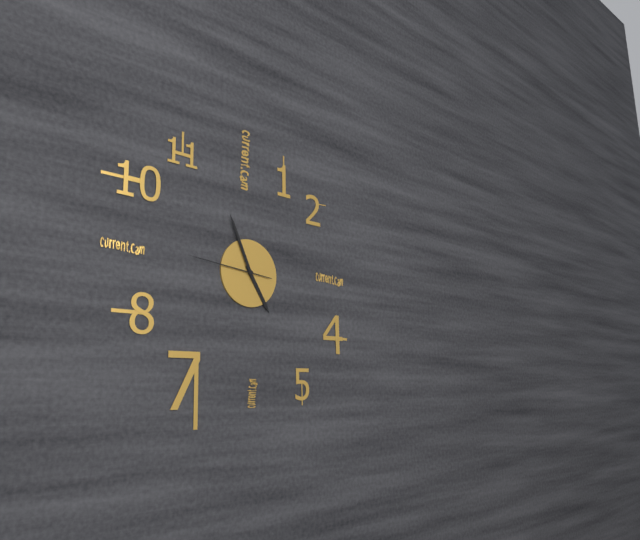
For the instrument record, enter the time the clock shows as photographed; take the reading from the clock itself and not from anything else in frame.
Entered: 4:56:46
